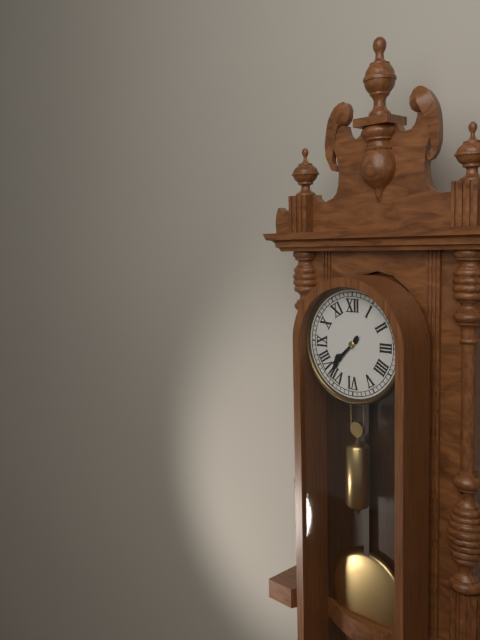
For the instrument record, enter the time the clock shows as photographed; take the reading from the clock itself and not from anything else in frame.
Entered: 7:37
